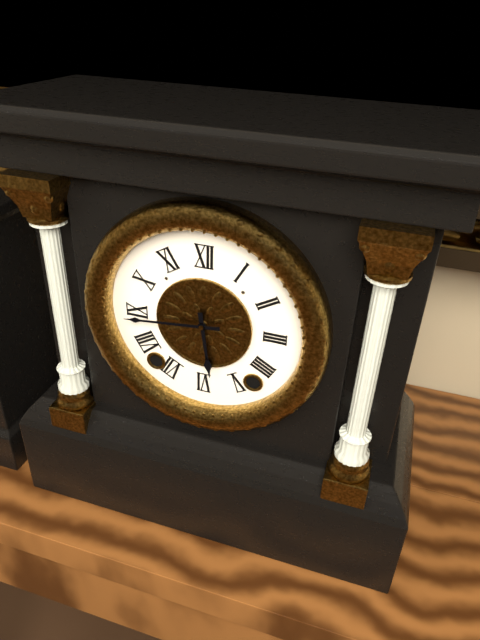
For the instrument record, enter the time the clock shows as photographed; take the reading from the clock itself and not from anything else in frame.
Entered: 5:44
